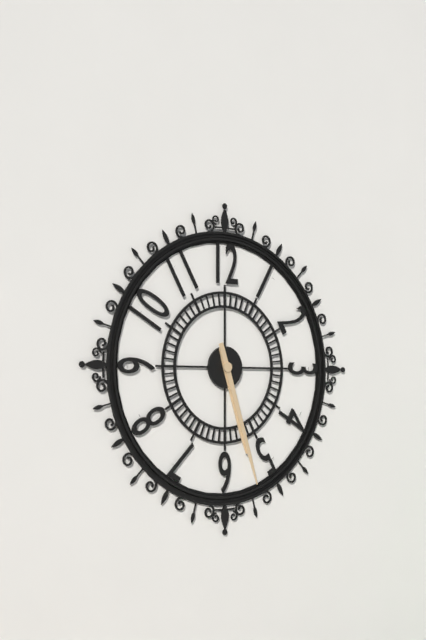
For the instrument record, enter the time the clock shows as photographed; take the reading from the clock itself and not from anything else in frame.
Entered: 5:27
